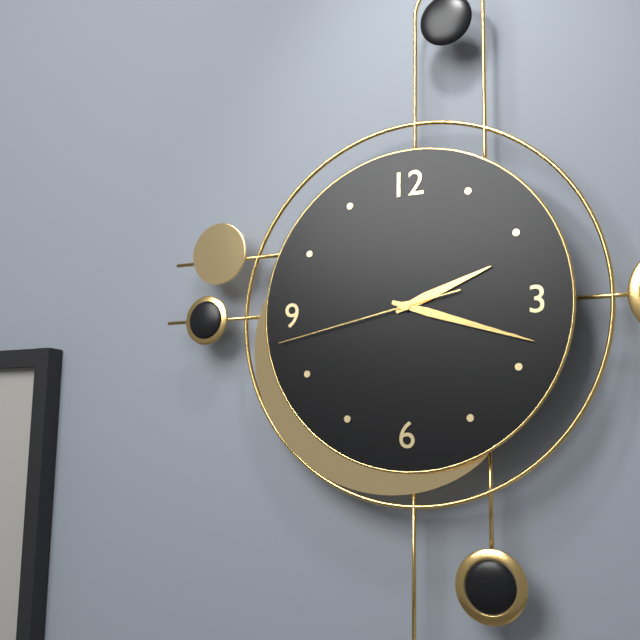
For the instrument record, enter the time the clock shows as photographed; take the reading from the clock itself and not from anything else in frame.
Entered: 2:18:43
